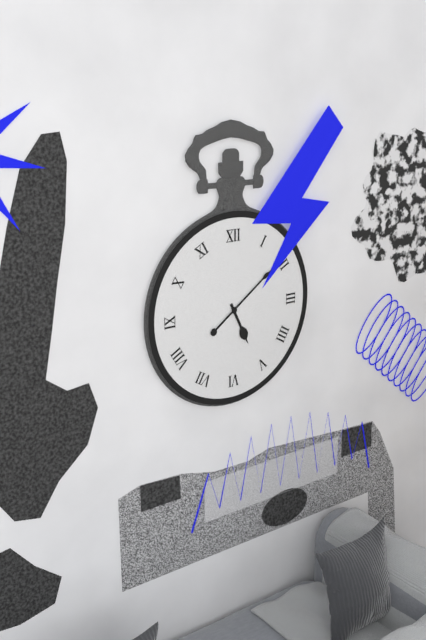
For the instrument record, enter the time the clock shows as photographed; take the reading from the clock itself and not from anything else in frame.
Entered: 5:09
